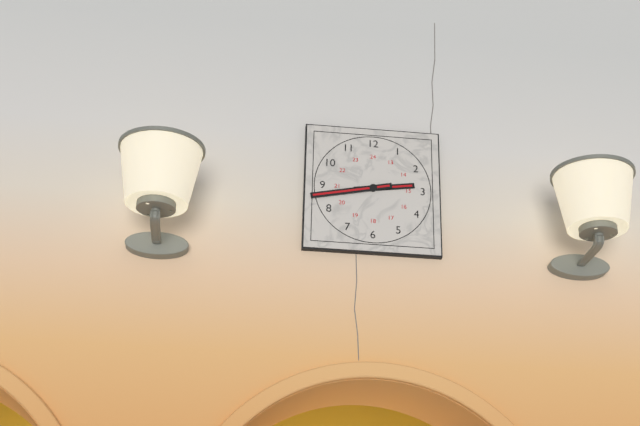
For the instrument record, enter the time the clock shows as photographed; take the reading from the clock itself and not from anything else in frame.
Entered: 2:43
